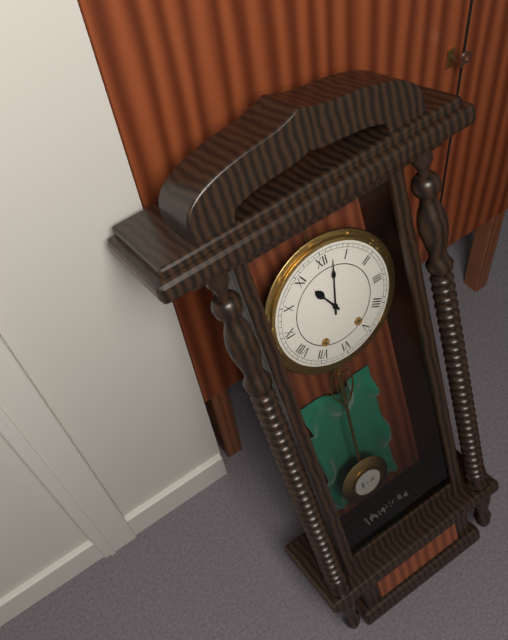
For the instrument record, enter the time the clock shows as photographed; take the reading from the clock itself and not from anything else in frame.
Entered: 11:02
